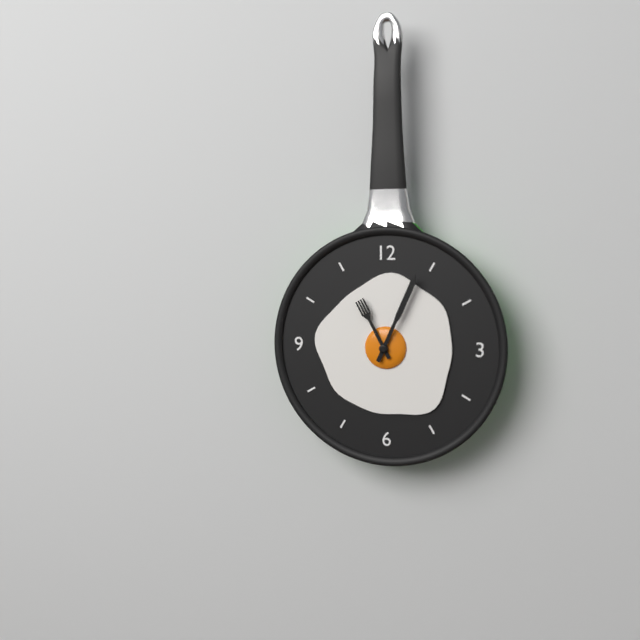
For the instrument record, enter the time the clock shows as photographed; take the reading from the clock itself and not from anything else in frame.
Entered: 11:04
